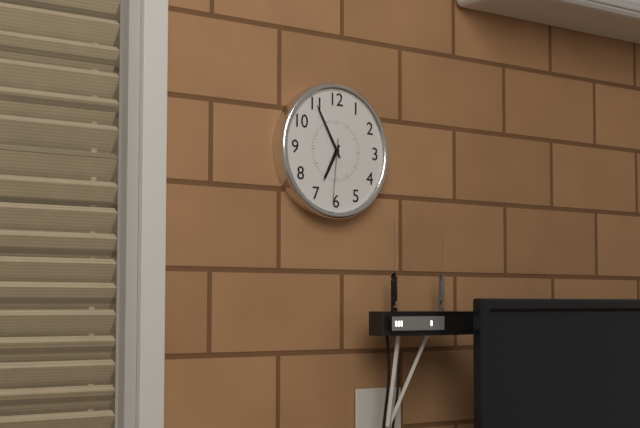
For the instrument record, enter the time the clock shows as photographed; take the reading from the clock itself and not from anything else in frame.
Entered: 6:55:31
